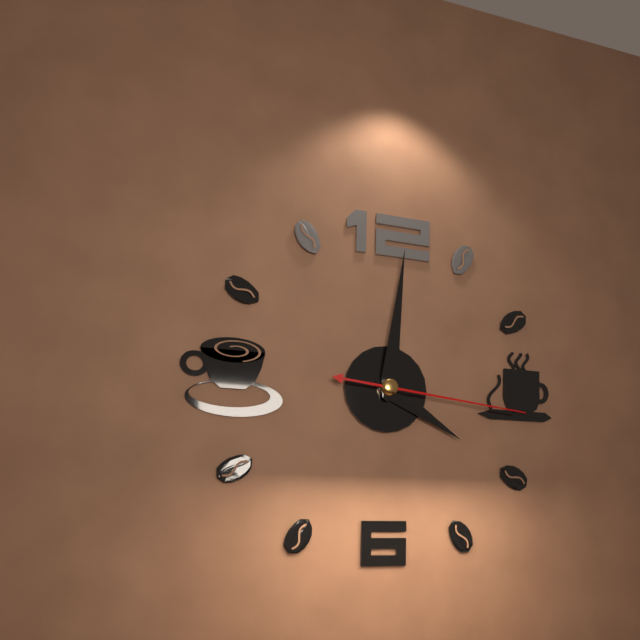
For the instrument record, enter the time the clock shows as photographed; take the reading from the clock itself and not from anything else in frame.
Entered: 4:01:16
